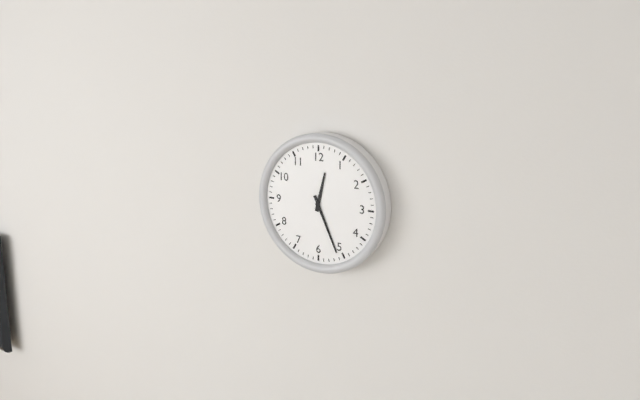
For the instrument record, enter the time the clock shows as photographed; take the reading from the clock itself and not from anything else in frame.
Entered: 12:26
